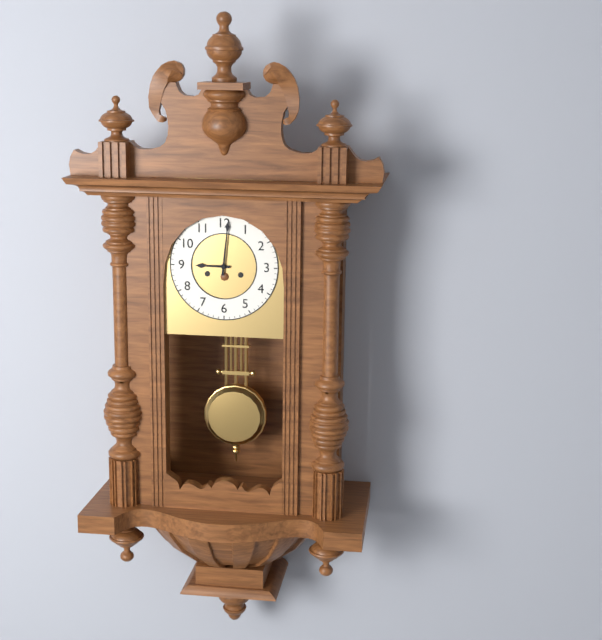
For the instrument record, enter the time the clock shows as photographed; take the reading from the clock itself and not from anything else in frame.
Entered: 9:01
